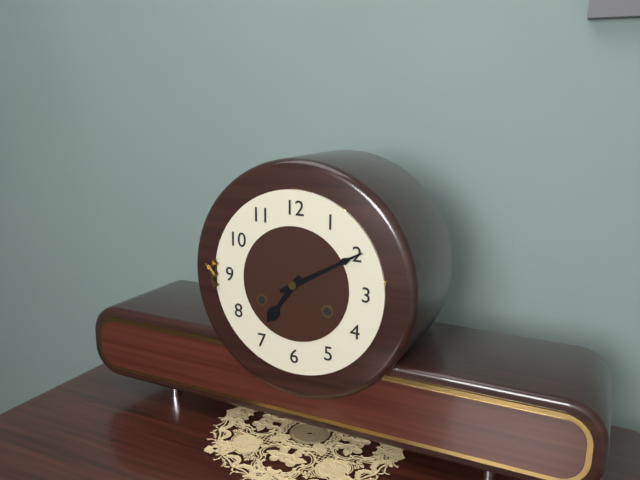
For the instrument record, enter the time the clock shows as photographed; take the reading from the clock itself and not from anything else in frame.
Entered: 7:10
